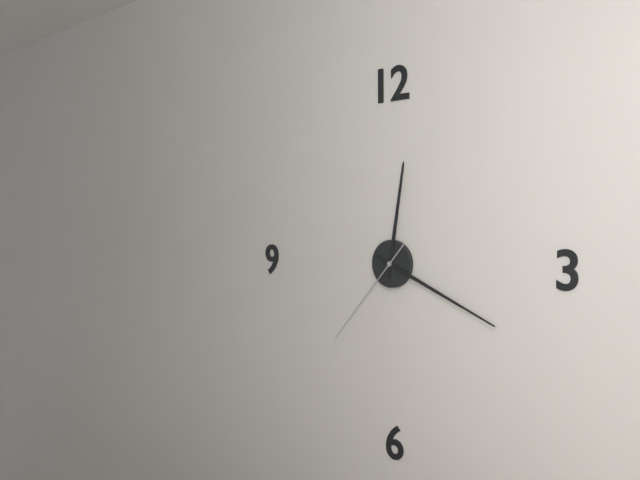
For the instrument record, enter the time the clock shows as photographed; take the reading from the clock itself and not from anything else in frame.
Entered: 12:19:37
